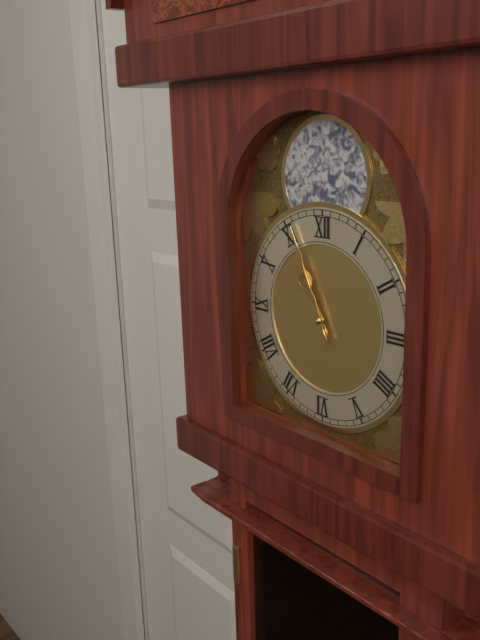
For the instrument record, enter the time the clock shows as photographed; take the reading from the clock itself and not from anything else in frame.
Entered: 10:56
